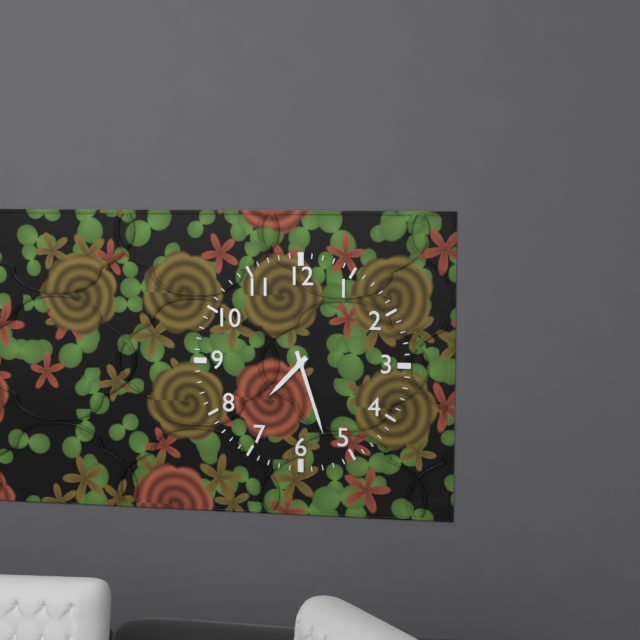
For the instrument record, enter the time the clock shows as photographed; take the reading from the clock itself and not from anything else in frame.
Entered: 7:27
